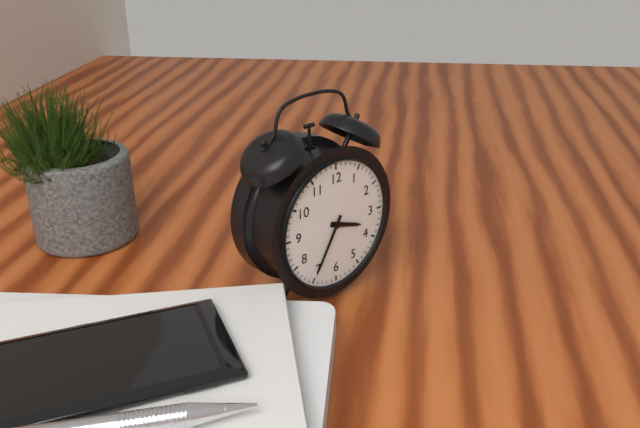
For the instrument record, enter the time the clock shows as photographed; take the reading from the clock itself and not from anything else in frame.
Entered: 3:35
